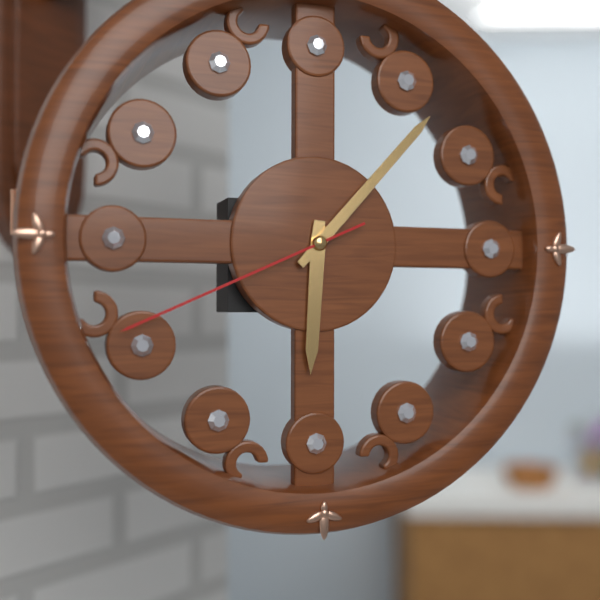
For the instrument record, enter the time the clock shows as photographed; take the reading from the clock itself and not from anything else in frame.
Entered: 6:07:41
